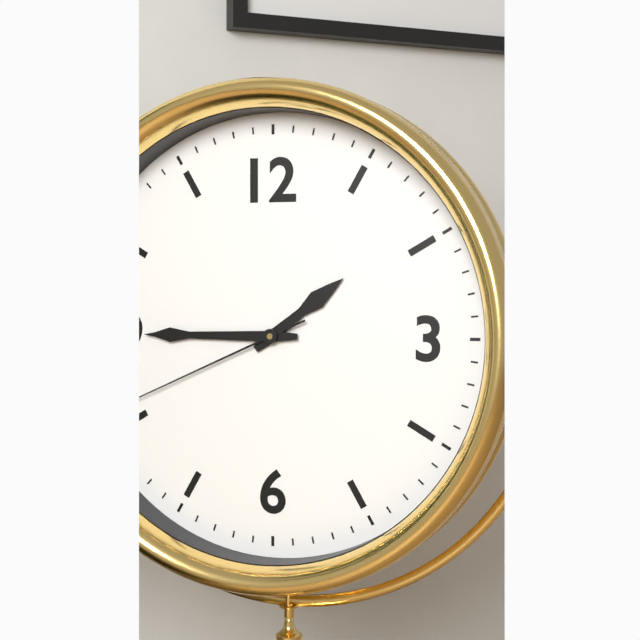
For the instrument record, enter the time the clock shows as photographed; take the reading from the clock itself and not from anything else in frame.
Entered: 1:45:41
